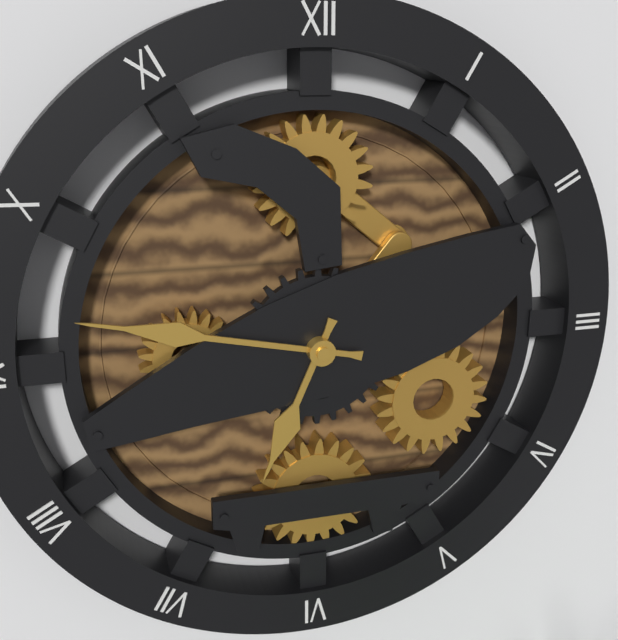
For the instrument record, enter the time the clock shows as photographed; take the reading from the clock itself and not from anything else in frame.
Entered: 6:47
